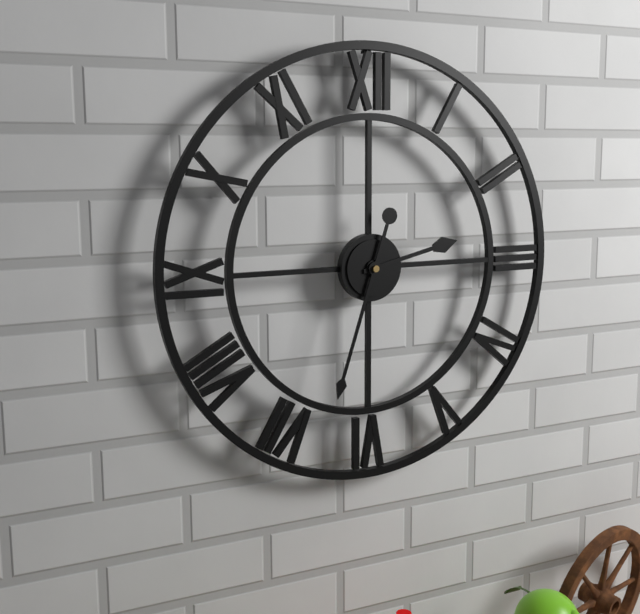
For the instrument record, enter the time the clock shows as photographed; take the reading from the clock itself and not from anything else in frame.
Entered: 2:33
